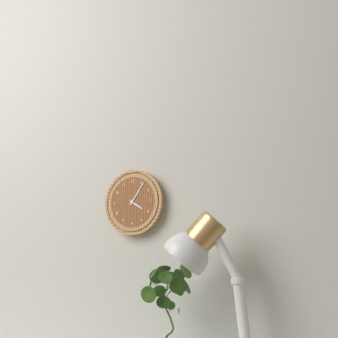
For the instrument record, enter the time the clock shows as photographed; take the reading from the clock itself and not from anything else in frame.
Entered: 4:06
